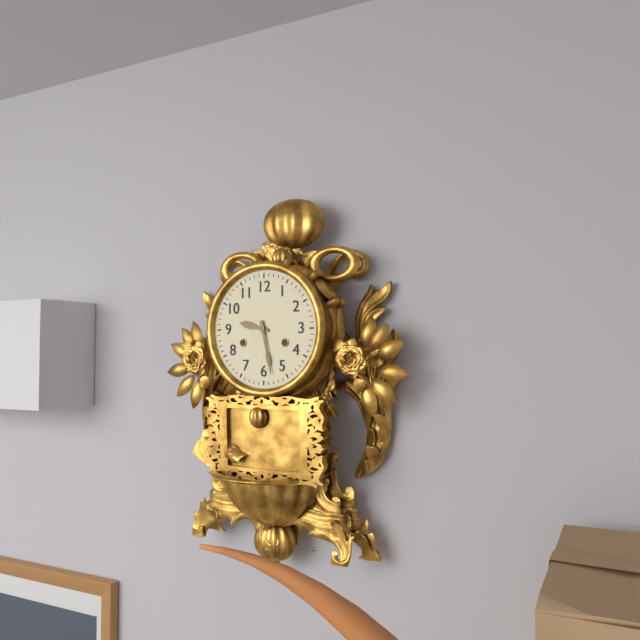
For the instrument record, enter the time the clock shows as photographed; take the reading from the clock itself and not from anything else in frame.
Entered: 9:28
